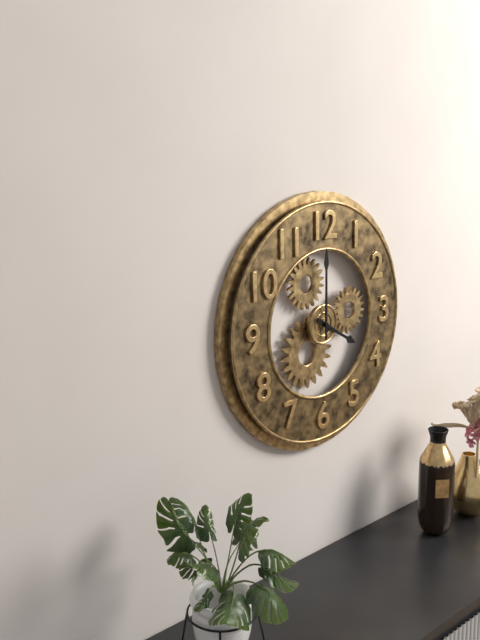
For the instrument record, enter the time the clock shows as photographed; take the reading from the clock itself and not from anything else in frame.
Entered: 4:00
